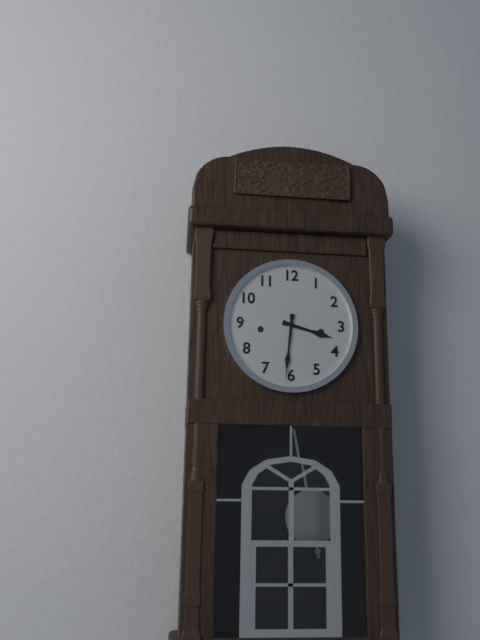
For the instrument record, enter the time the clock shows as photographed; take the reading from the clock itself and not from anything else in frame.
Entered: 3:31
